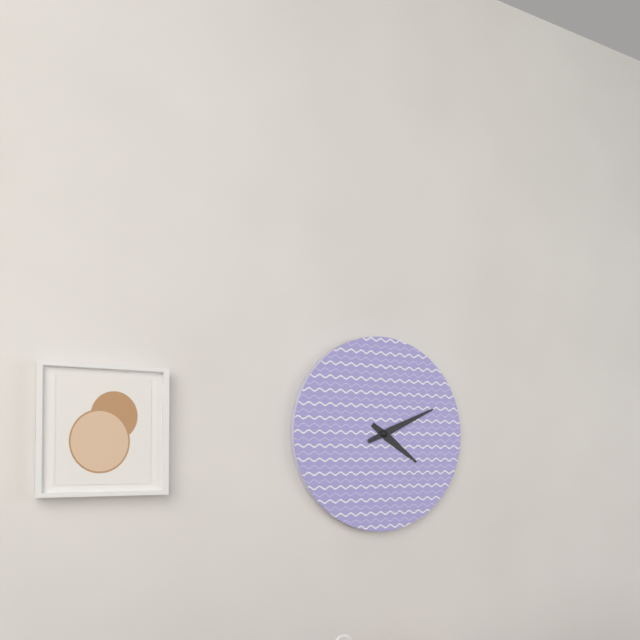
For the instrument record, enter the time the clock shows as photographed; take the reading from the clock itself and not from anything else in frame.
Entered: 4:11
